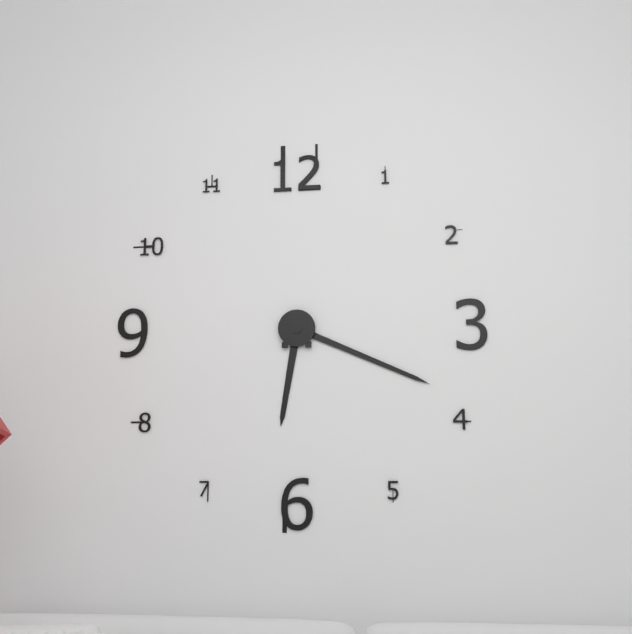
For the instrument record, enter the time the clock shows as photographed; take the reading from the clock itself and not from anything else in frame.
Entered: 6:19
